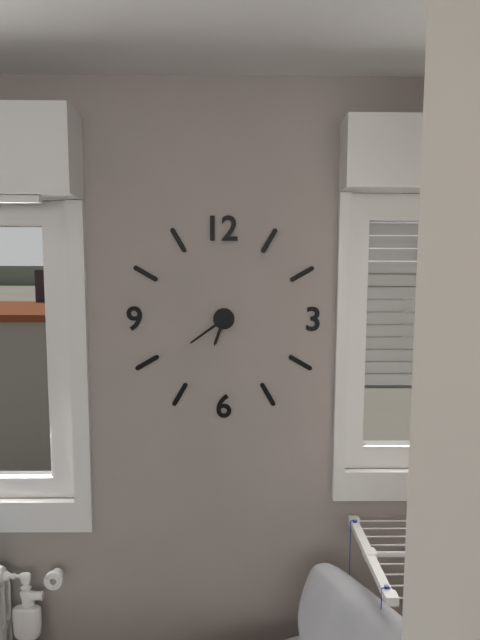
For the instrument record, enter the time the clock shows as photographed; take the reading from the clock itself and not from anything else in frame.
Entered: 6:39
